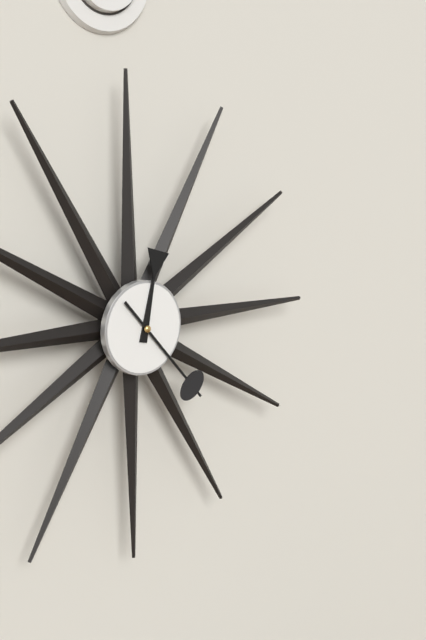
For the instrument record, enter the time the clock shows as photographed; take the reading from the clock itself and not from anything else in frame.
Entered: 12:23
